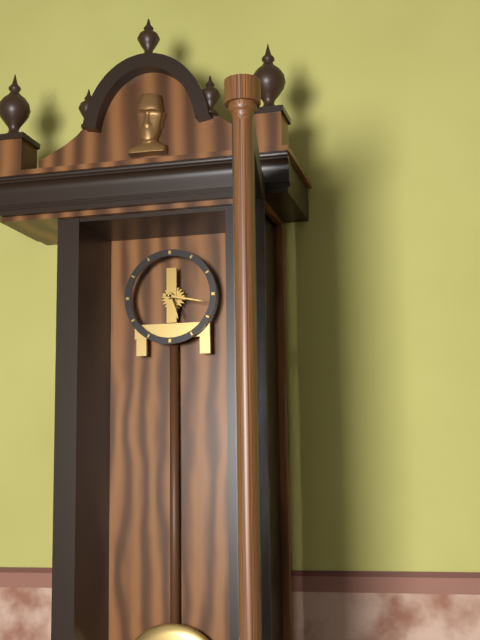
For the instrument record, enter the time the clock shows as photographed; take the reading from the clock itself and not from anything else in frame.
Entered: 5:17
